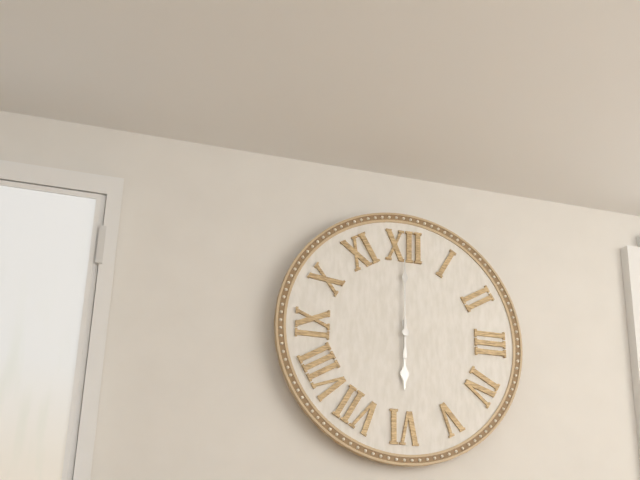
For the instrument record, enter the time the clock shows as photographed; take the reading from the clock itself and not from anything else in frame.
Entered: 6:00
